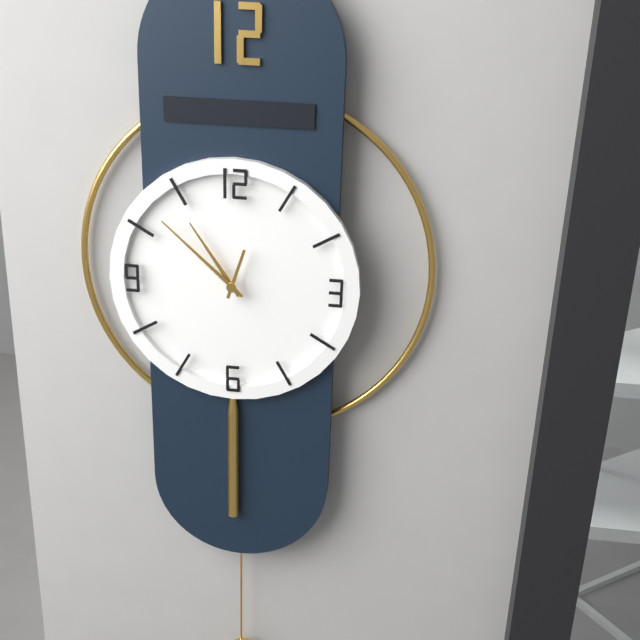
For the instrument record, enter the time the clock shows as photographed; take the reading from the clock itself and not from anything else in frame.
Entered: 10:52
